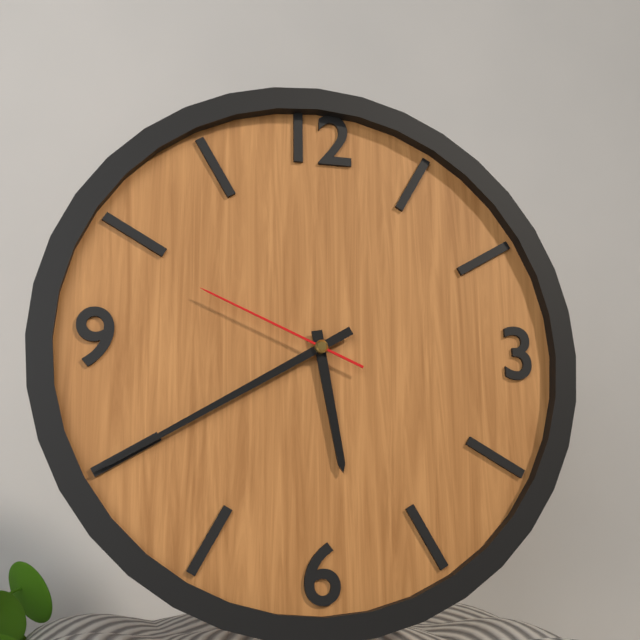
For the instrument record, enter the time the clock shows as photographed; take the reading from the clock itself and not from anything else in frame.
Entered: 5:40:49
